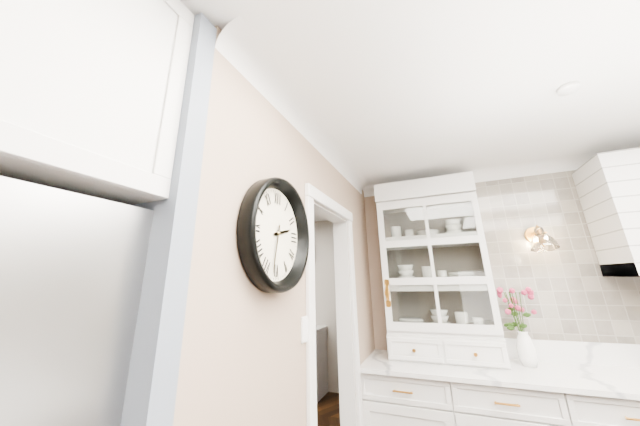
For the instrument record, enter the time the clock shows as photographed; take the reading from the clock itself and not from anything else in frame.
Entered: 2:32
